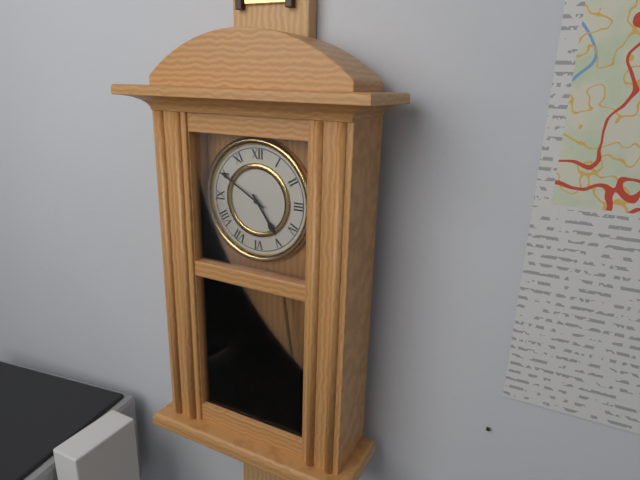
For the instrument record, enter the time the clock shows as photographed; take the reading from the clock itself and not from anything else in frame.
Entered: 4:50
